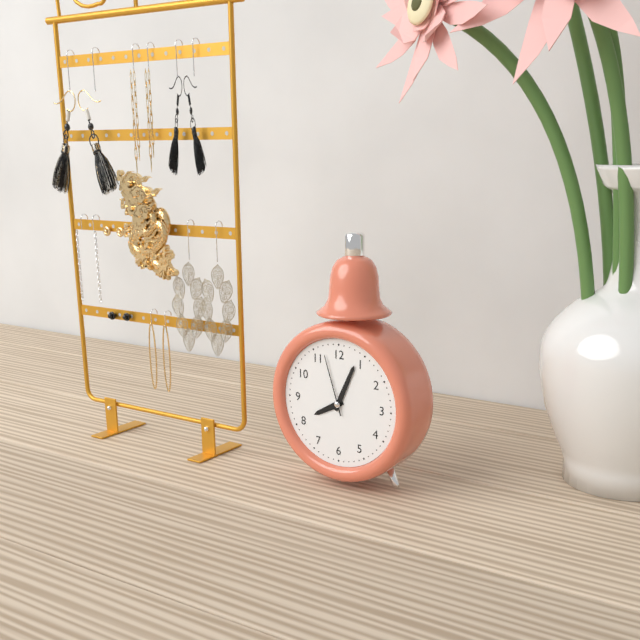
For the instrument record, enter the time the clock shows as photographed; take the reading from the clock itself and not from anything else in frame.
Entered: 8:04:57
